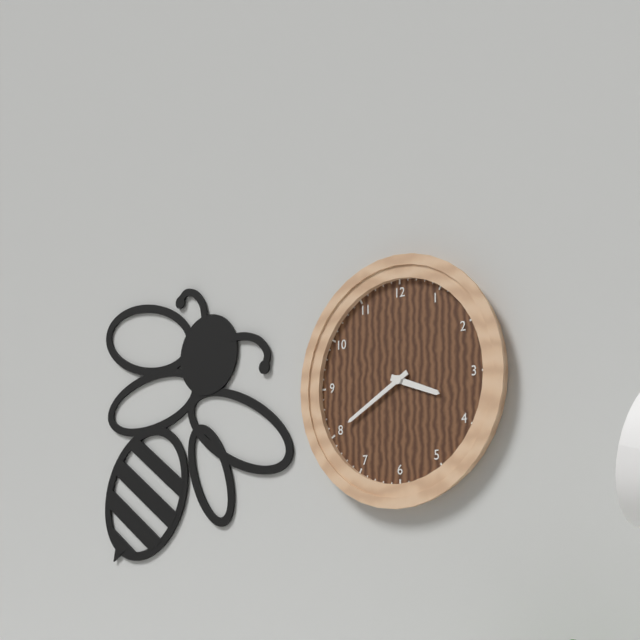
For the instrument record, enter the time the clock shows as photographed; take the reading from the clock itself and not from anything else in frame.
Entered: 3:40
